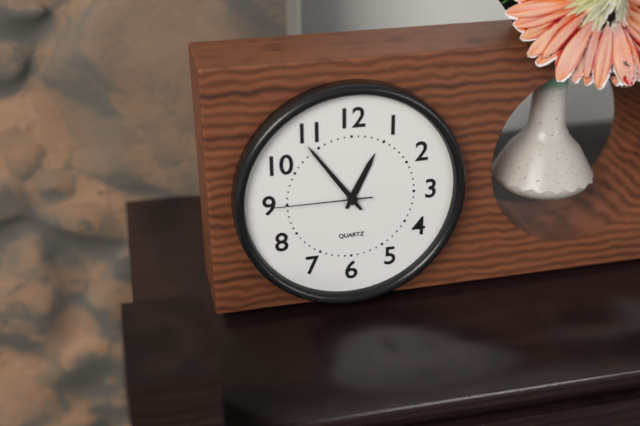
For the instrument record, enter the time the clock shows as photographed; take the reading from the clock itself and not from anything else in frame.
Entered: 12:54:45
